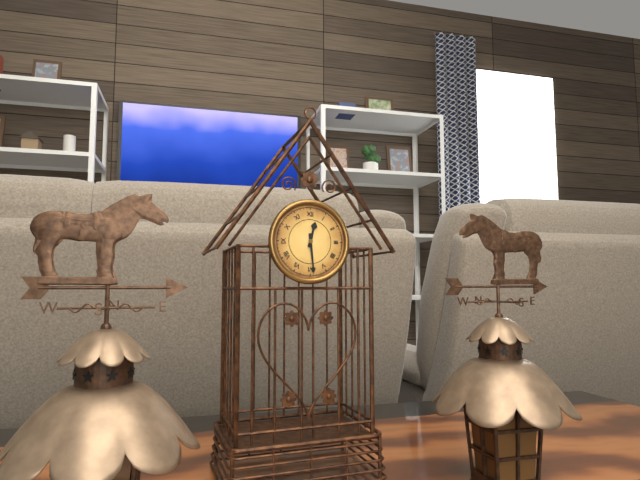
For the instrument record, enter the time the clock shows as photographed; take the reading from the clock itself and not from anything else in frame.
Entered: 12:29
